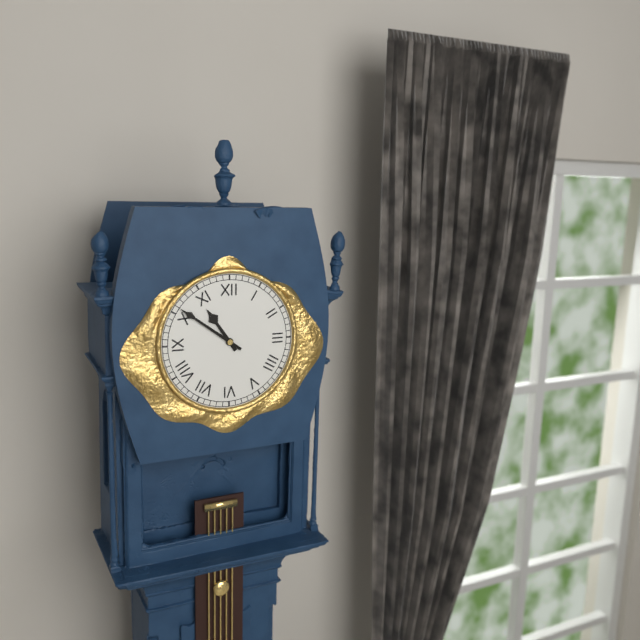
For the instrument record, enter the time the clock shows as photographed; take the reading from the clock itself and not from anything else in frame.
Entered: 10:51
